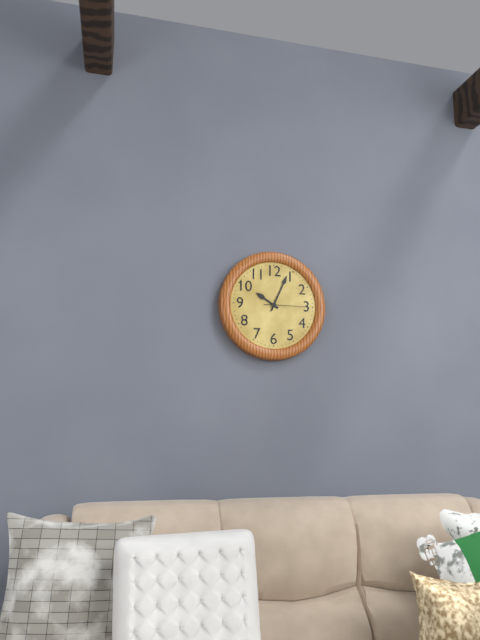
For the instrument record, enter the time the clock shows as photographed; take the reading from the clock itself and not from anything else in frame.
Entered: 10:04
